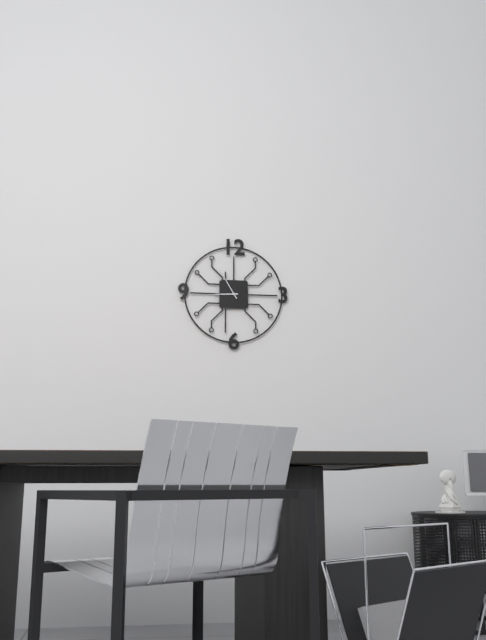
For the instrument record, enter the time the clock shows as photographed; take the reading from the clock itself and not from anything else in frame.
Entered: 8:55
